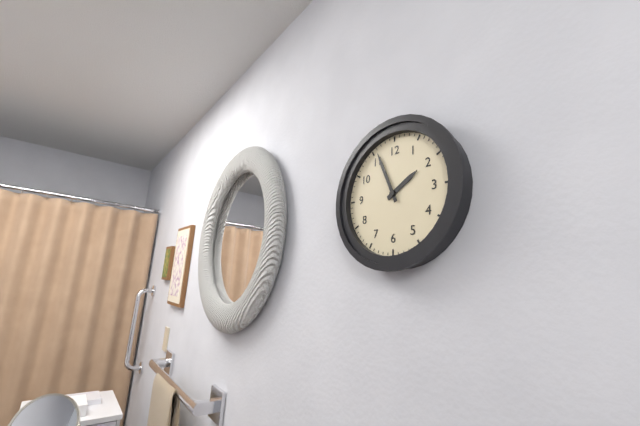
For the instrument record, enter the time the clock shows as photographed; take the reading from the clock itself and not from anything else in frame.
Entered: 1:56
